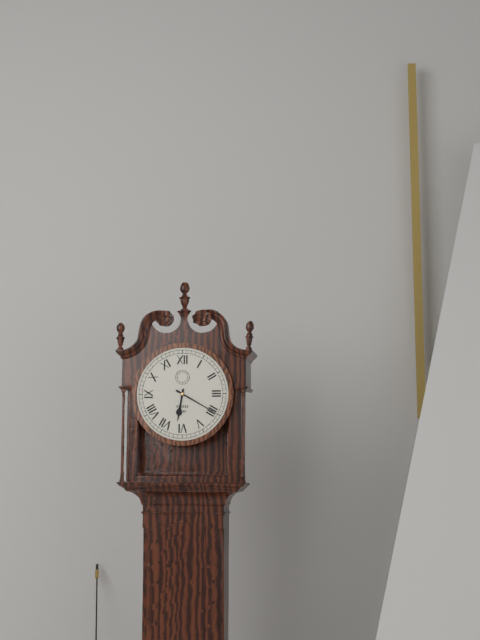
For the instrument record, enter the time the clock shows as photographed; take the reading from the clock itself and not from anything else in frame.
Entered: 6:20
